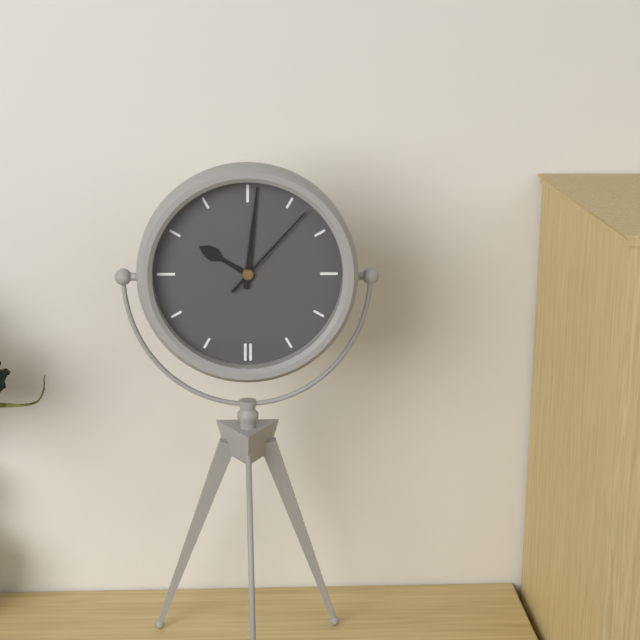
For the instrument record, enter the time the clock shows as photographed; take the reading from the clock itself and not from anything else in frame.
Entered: 10:01:07
